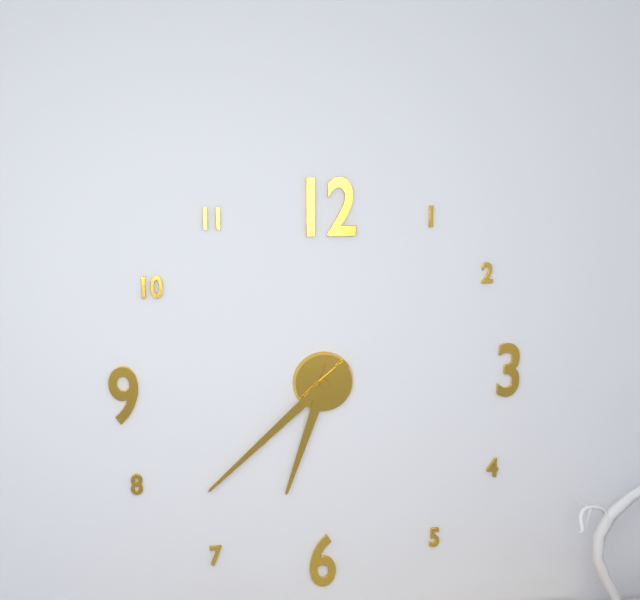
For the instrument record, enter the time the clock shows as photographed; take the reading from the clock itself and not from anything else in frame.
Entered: 6:38
